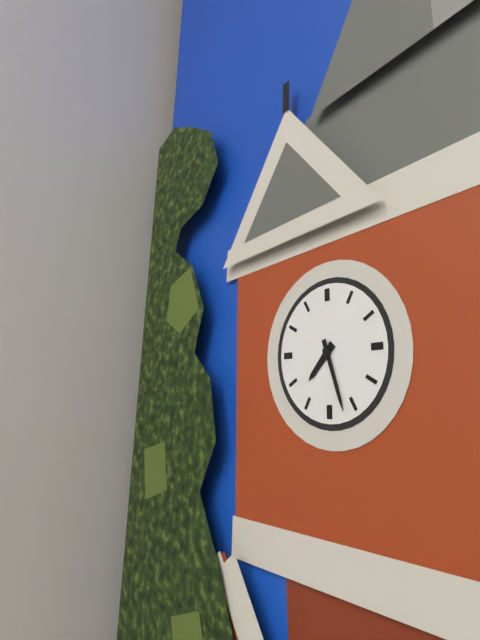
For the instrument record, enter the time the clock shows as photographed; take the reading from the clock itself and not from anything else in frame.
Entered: 7:27
